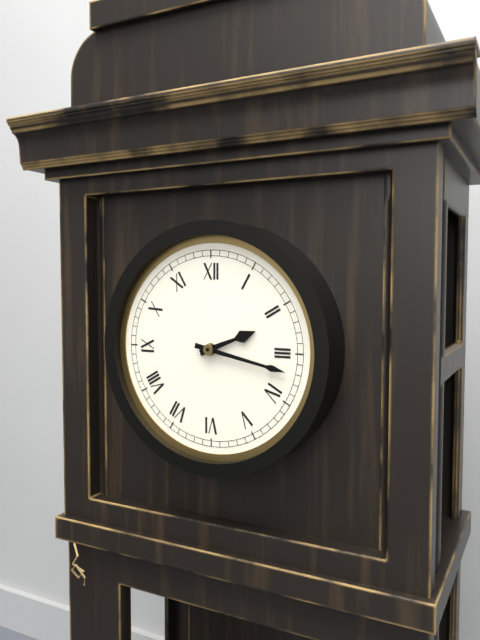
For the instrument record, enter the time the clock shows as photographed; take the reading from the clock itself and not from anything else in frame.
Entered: 2:17
